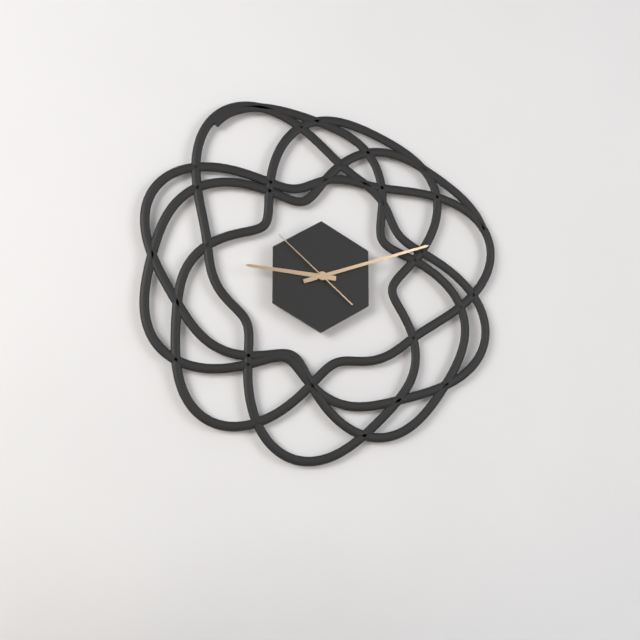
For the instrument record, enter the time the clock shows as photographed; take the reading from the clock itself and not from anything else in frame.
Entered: 9:12:52
